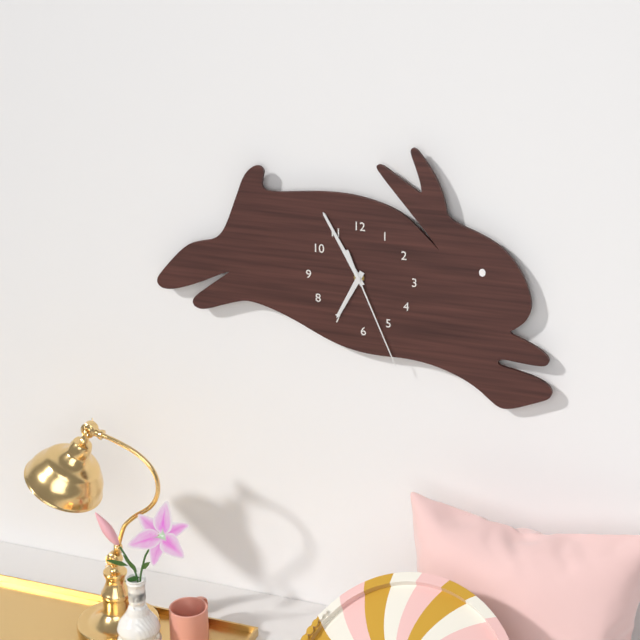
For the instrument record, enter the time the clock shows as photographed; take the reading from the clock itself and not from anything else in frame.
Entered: 6:55:26
